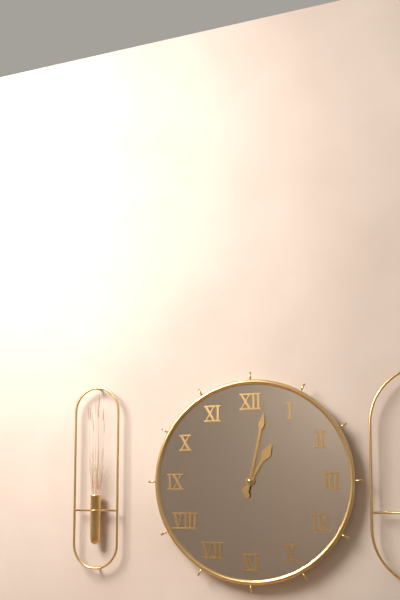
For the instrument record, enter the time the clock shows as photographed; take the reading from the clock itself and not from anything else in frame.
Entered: 1:02
